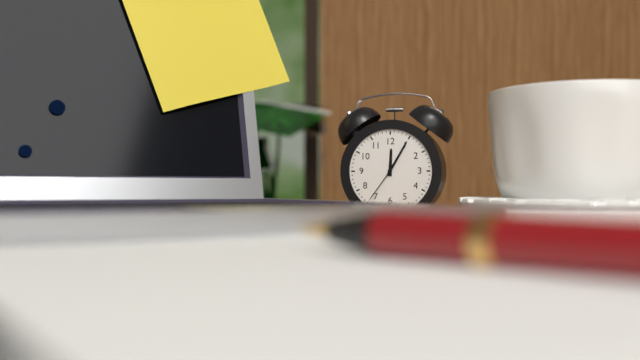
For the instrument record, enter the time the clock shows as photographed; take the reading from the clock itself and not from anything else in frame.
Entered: 12:05
